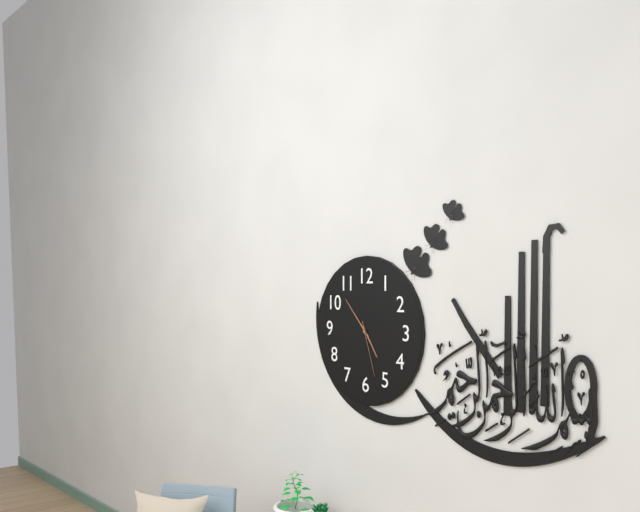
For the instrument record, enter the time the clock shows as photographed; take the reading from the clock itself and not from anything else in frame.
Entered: 4:53:27
